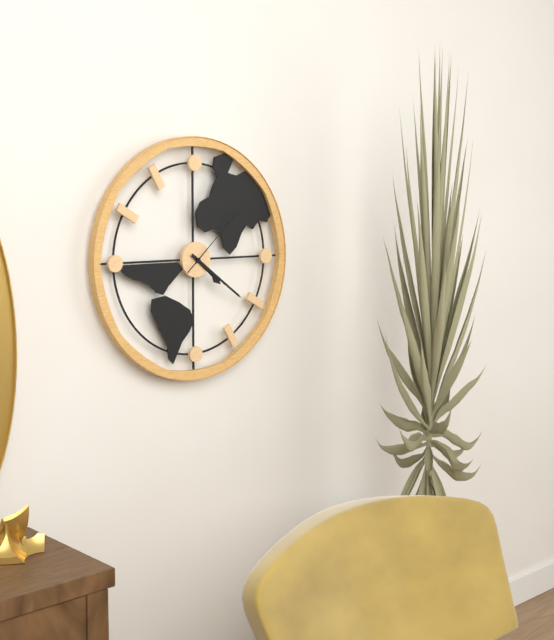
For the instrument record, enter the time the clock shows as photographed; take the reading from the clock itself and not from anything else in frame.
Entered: 4:21:08
